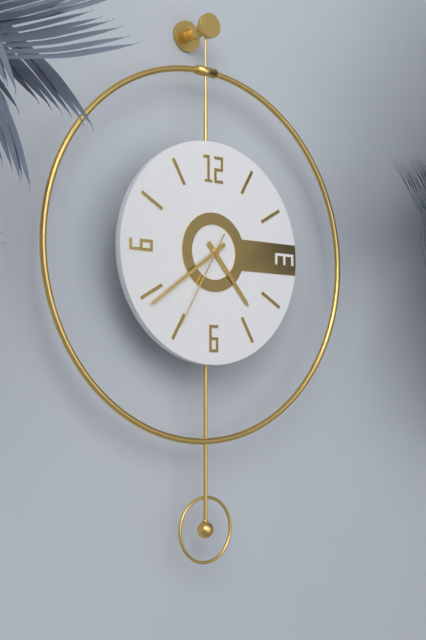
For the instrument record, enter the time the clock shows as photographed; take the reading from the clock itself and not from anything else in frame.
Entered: 4:39:35
